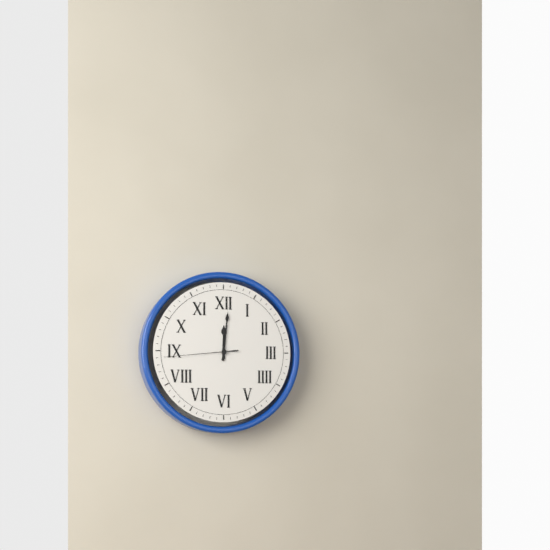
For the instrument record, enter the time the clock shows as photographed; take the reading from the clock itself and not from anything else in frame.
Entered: 12:01:44
